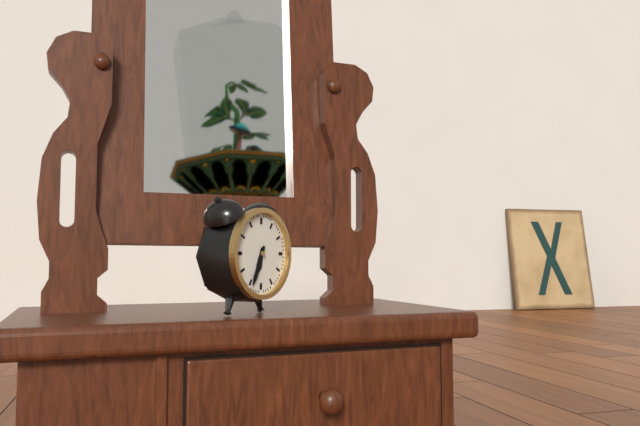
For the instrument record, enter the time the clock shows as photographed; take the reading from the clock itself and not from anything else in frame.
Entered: 6:34
